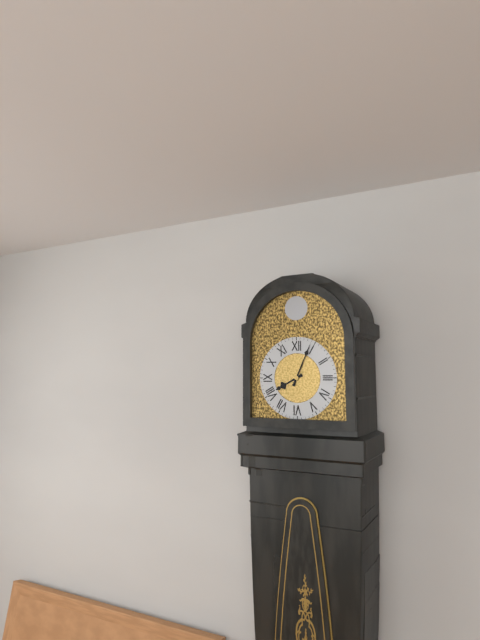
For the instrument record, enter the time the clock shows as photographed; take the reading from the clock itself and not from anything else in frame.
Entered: 8:04
